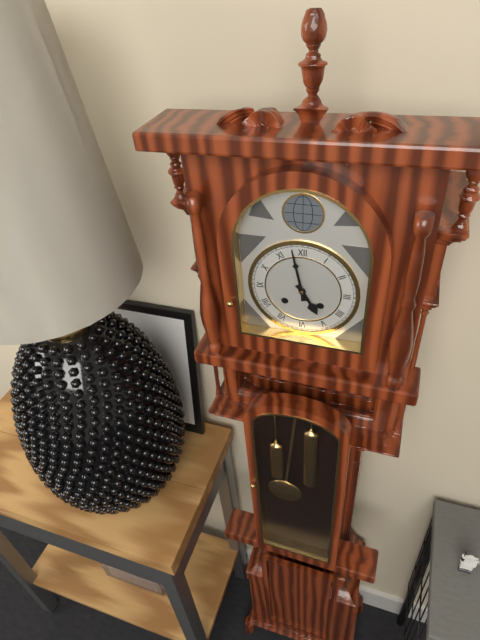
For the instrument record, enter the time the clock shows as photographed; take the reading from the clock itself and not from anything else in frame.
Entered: 4:58
